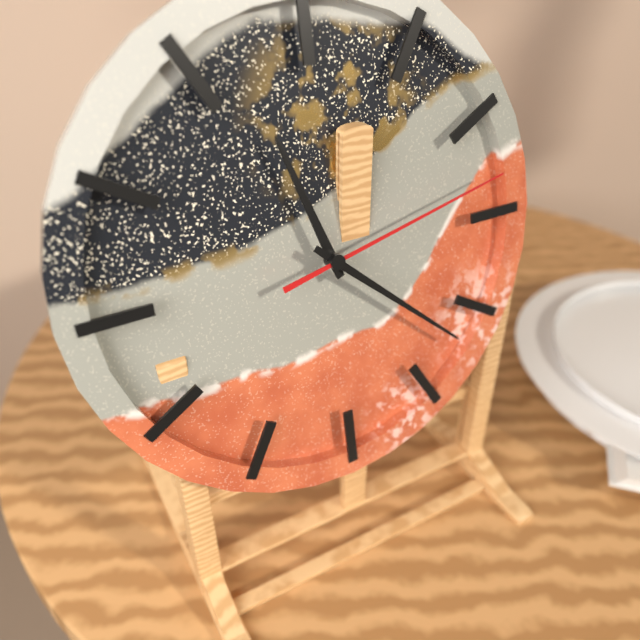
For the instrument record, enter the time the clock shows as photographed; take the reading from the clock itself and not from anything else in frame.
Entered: 11:22:13
